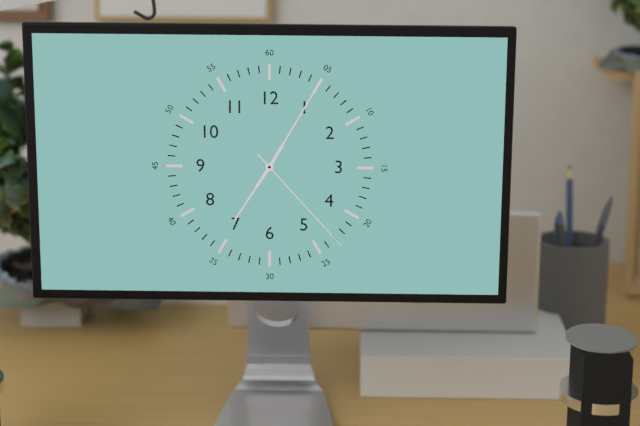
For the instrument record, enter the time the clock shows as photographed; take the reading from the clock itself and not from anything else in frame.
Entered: 7:05:23
